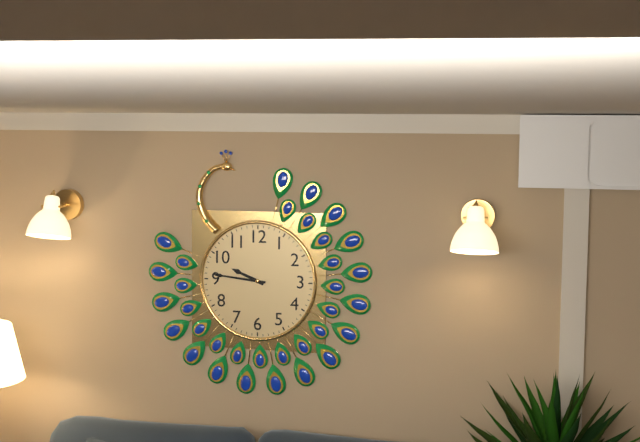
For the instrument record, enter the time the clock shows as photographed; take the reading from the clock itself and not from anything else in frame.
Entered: 9:46
